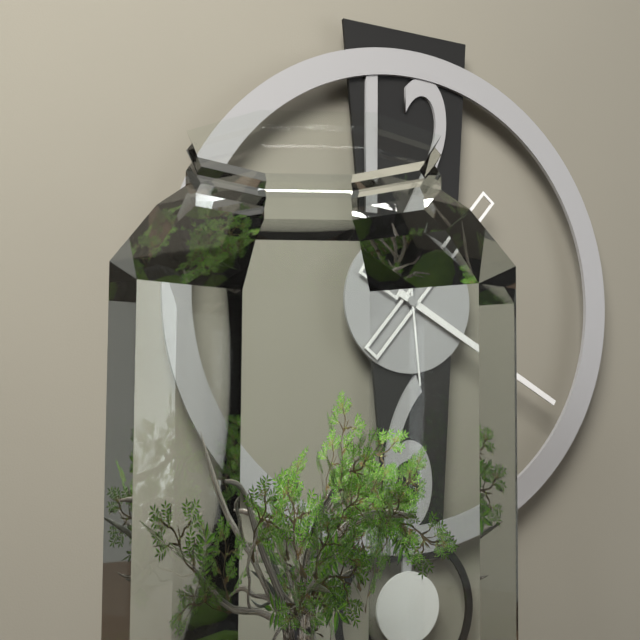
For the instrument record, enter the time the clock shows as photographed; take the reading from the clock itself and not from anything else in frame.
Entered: 1:20:29
